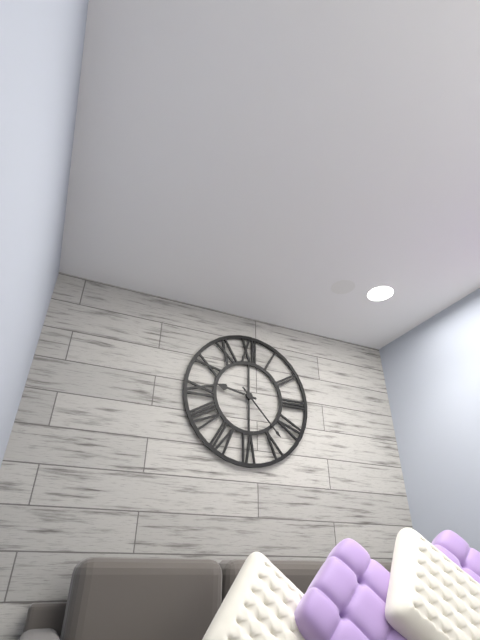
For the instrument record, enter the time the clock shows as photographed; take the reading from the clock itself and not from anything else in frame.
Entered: 9:23
